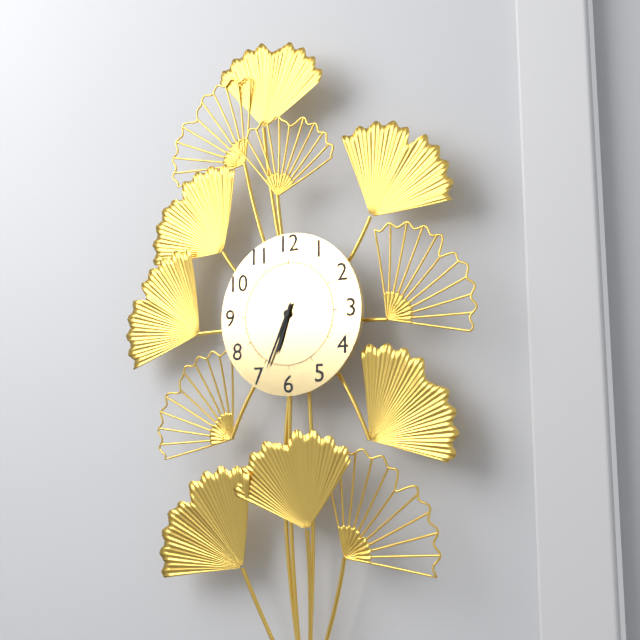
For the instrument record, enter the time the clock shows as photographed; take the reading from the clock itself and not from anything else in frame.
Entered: 6:34
